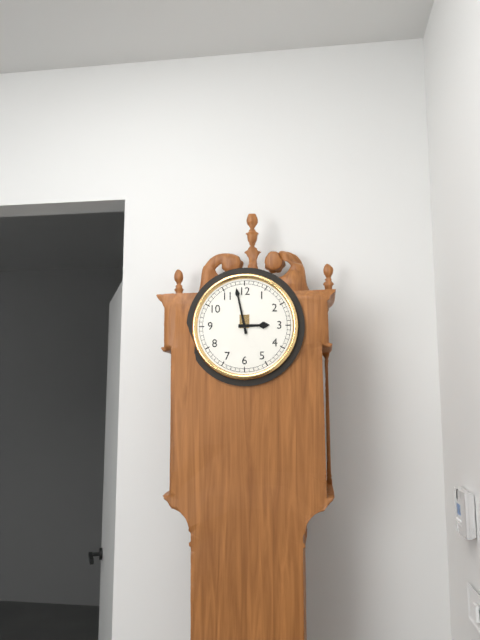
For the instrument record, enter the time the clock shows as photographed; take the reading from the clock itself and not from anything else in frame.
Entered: 2:58
